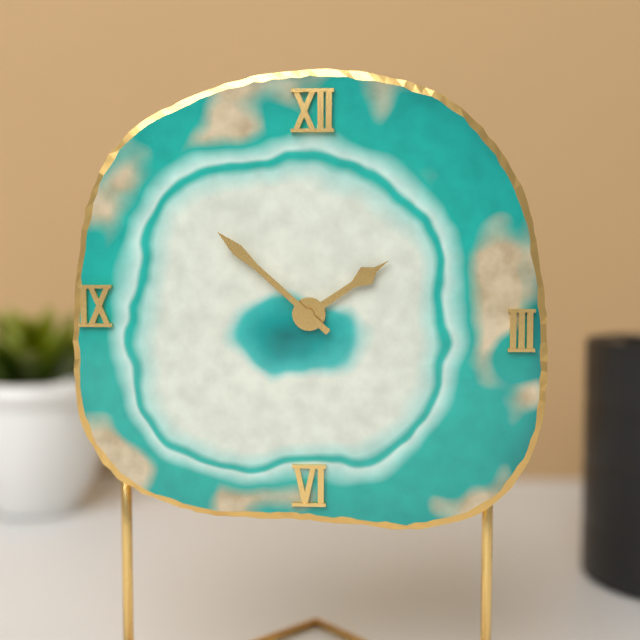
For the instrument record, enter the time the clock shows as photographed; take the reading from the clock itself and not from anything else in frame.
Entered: 1:52
